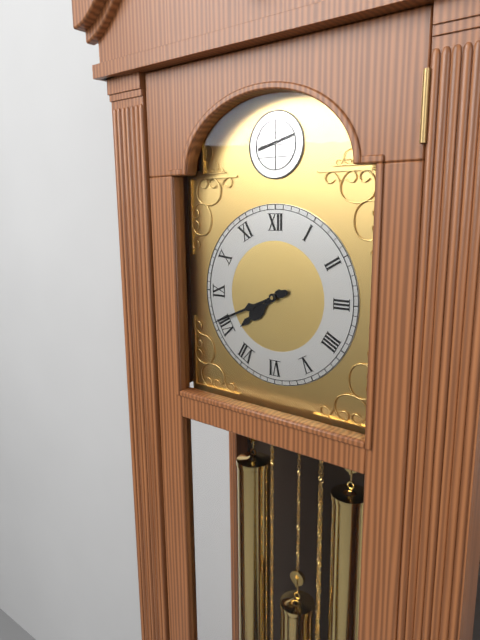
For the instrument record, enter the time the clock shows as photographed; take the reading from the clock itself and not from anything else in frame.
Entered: 7:41
